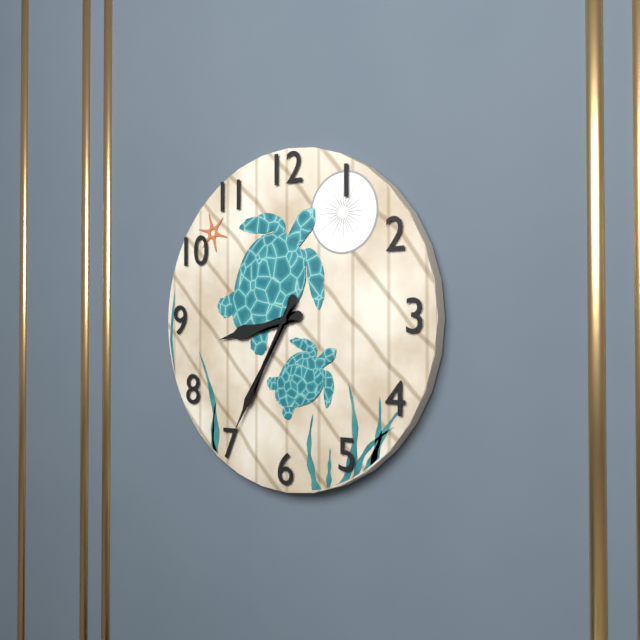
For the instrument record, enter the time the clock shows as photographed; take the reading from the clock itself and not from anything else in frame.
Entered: 8:35
